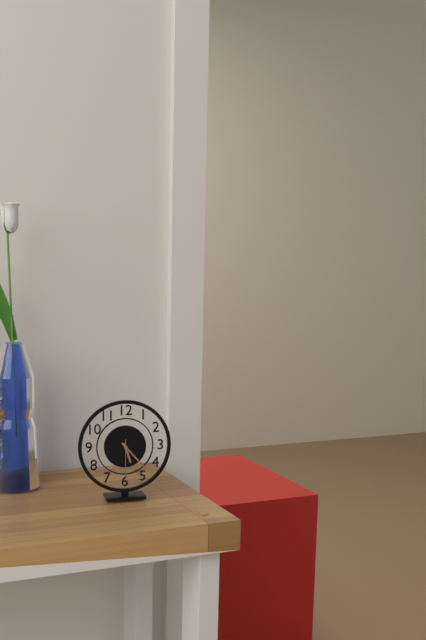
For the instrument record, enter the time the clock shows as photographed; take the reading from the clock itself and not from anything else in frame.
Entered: 5:23
